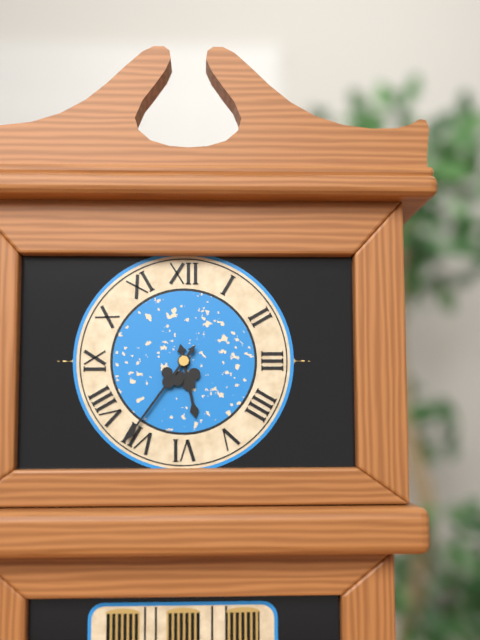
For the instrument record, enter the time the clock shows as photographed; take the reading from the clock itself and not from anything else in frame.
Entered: 5:36
